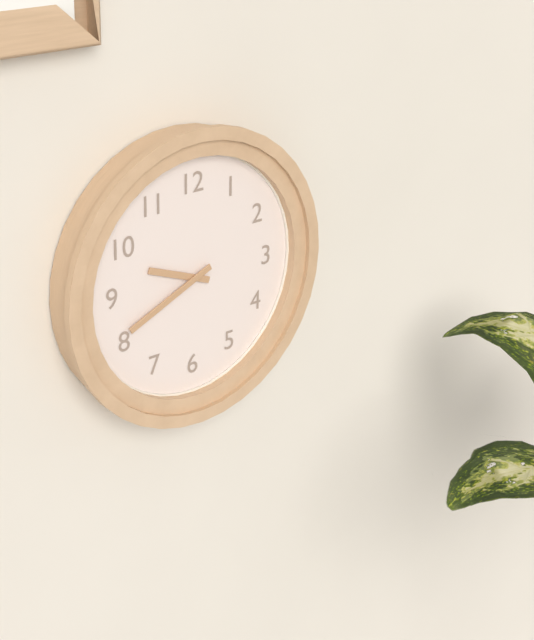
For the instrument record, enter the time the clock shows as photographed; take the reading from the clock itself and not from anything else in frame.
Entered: 9:41
